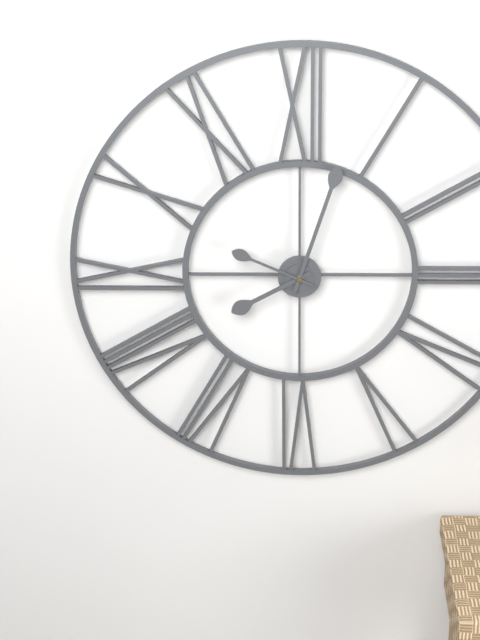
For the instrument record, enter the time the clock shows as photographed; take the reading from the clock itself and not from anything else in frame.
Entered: 8:03:49
